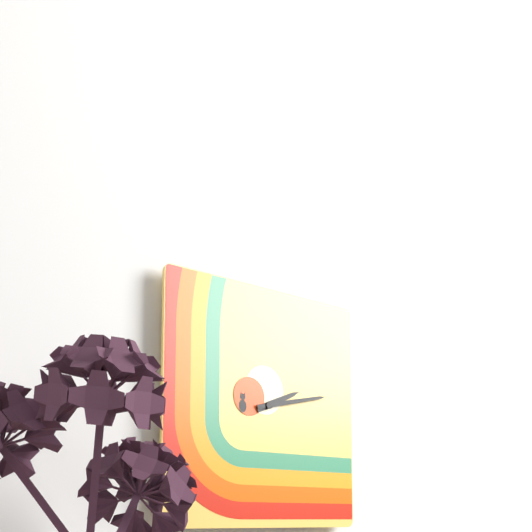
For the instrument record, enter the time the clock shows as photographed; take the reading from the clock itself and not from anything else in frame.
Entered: 2:13
